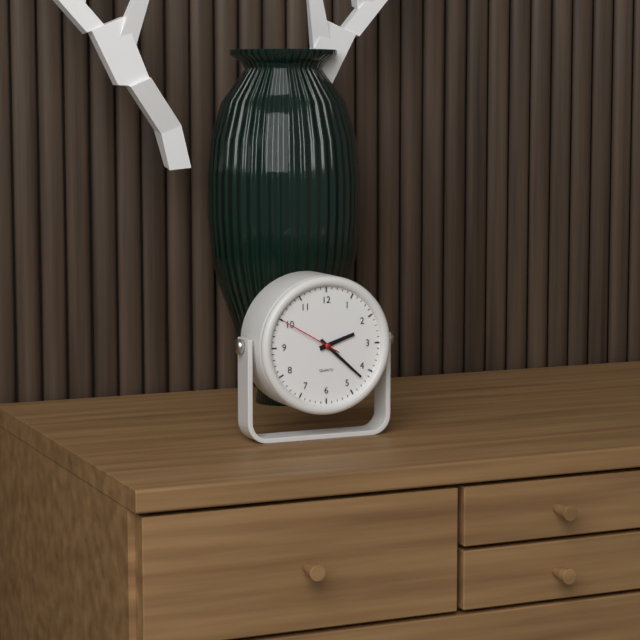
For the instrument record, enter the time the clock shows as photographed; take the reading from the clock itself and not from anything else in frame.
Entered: 2:22:50
